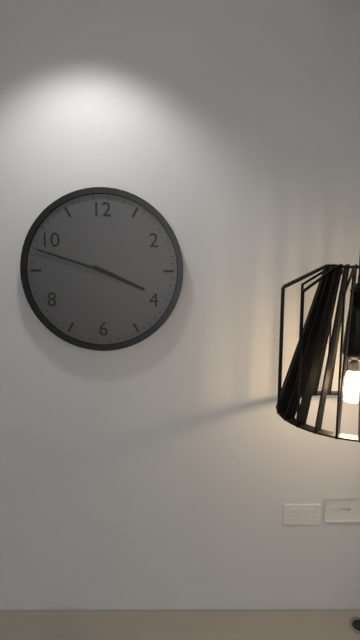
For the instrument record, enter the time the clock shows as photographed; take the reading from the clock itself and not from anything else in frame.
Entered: 3:48
